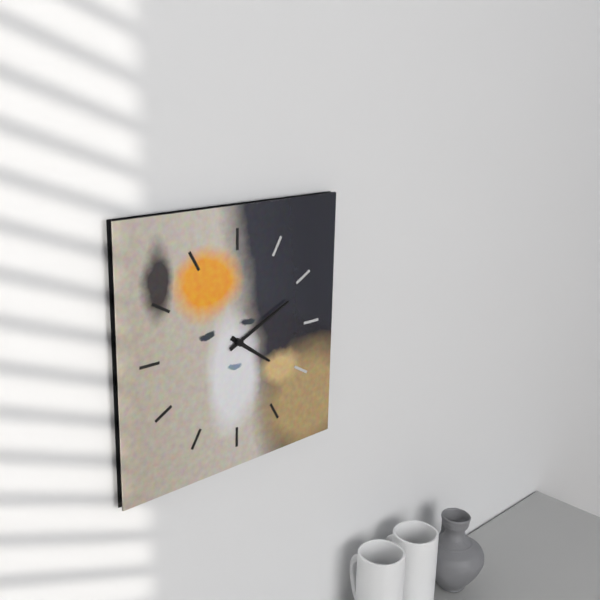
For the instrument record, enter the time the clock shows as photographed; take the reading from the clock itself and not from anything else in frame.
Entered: 4:11
